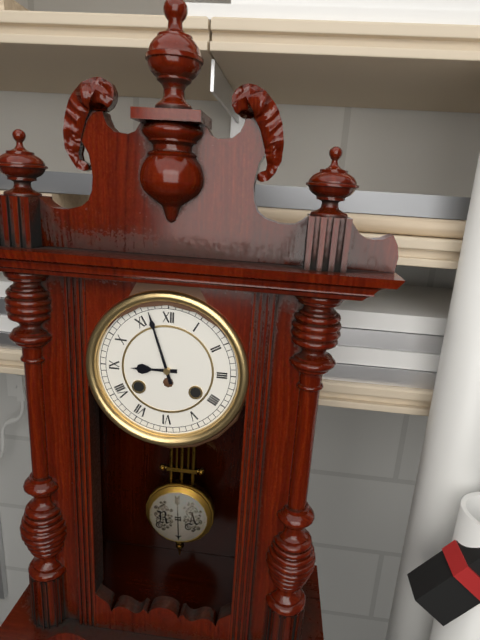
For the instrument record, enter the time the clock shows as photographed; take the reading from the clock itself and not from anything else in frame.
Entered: 8:57
